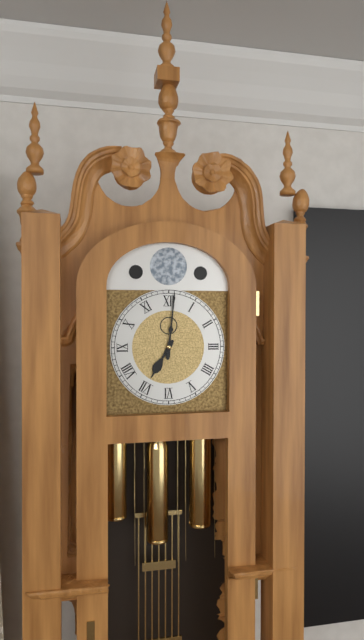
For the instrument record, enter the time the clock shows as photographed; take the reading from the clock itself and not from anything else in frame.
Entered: 7:01
